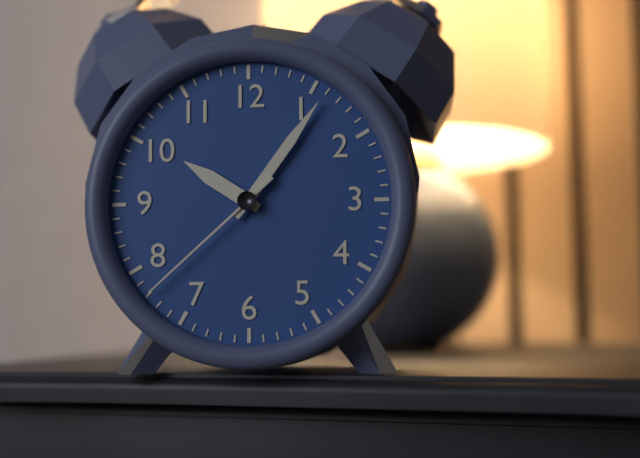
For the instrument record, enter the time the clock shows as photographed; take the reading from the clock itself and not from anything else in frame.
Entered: 10:06:38
